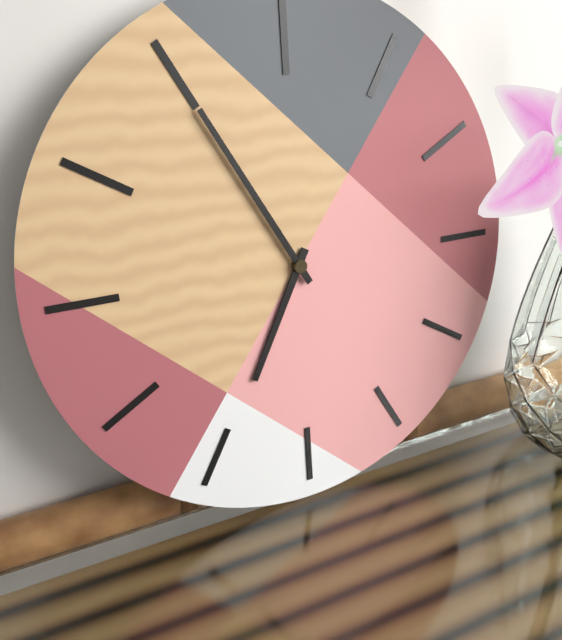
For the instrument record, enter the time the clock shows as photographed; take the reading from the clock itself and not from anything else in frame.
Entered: 6:55
